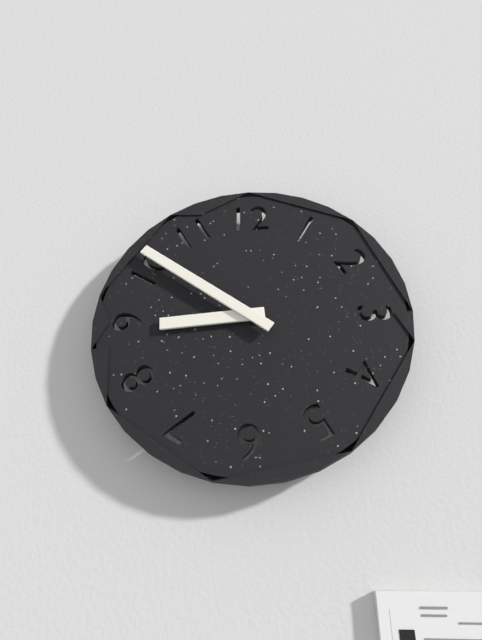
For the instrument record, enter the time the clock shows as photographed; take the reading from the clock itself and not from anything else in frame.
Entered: 8:51
